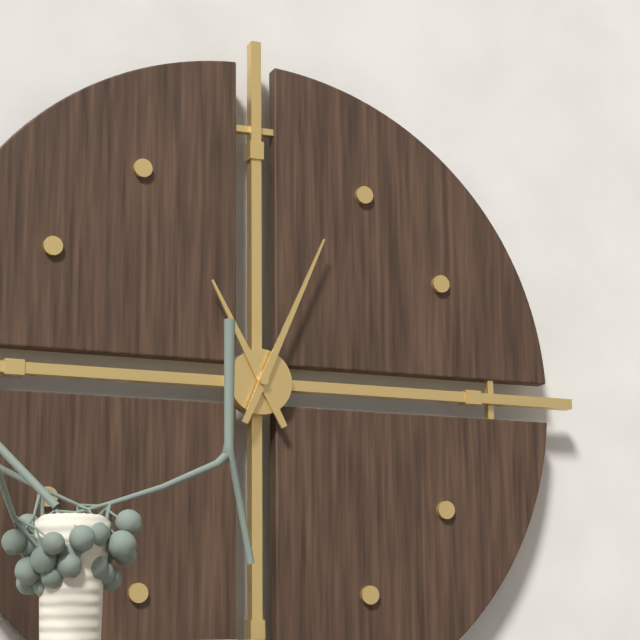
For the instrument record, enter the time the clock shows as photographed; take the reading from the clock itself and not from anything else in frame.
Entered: 11:04
